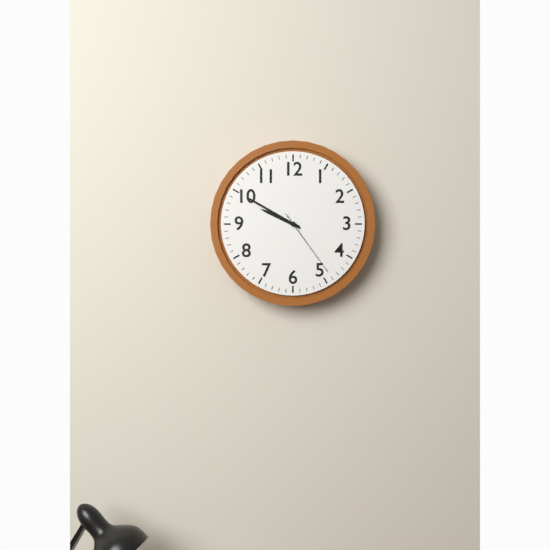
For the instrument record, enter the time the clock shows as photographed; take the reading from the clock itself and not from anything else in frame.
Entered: 9:50:24
